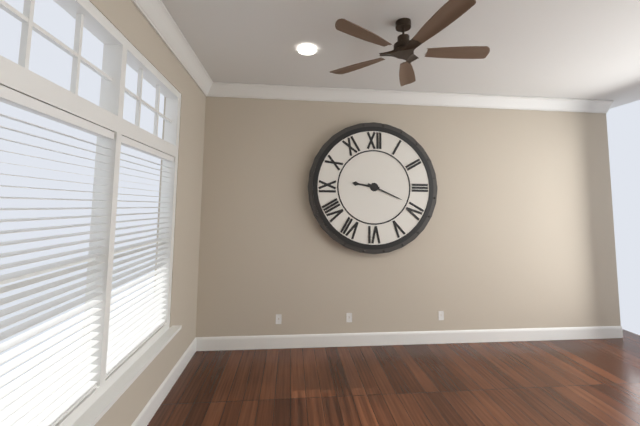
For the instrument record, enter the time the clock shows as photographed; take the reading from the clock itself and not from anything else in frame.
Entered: 9:19
